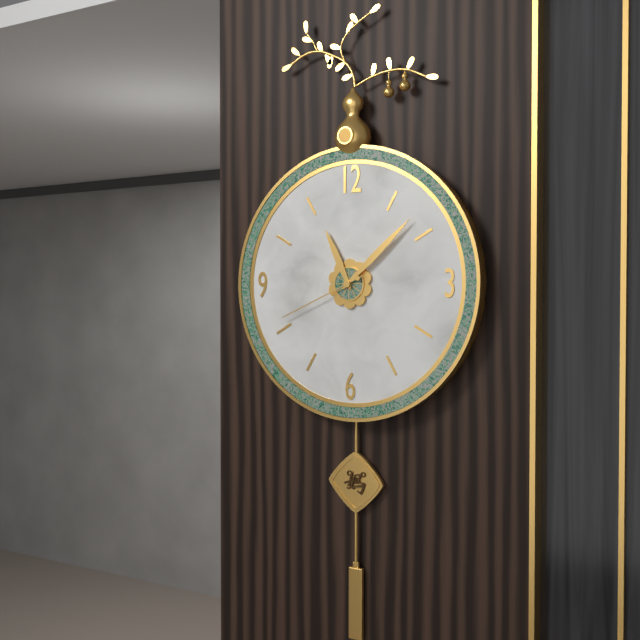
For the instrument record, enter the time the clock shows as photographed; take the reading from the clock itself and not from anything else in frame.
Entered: 11:08:41
